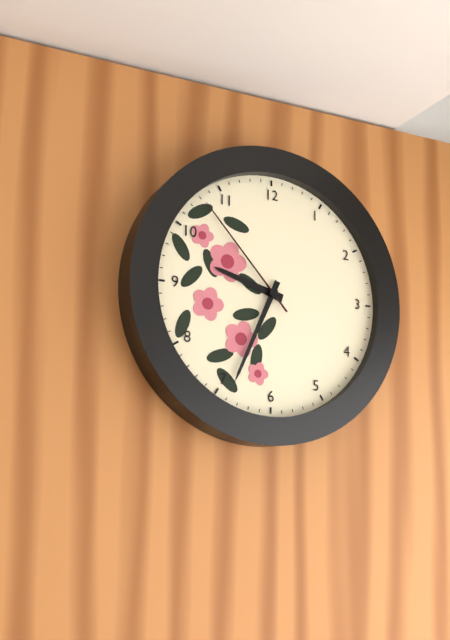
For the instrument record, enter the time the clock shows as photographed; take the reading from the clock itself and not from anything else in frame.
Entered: 9:34:53
